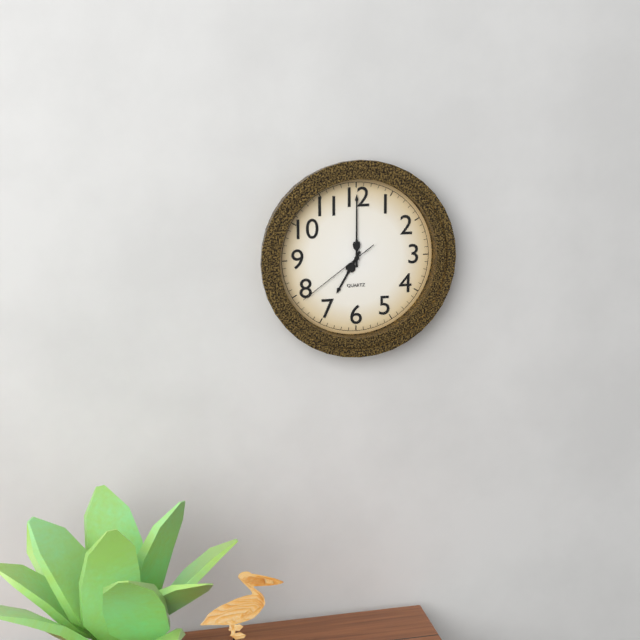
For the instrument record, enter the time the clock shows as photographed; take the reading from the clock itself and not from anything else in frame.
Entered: 7:00:39
